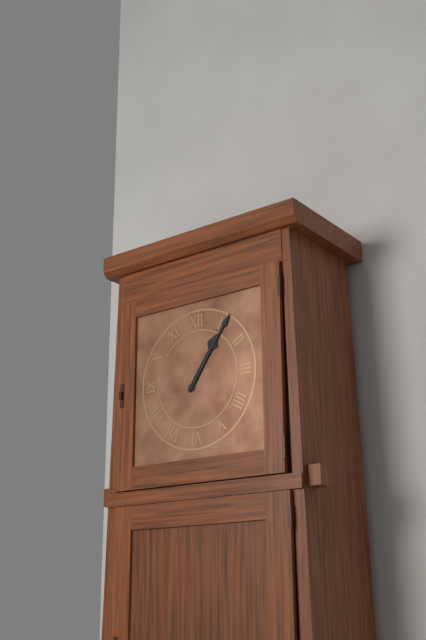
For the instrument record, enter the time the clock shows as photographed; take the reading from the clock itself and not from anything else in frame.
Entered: 1:06
